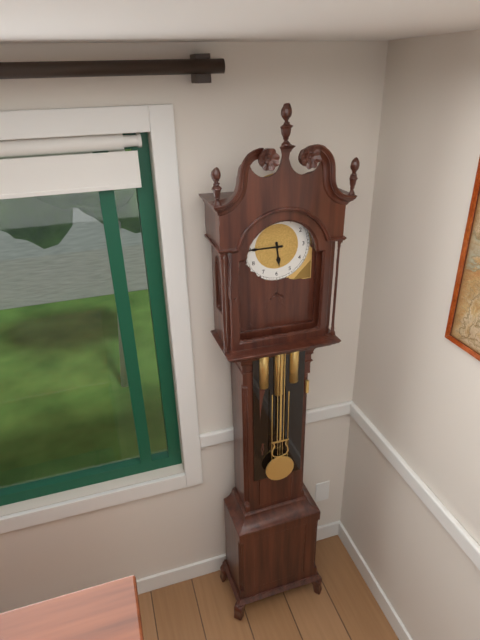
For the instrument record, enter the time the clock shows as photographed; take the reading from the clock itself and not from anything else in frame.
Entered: 5:45
